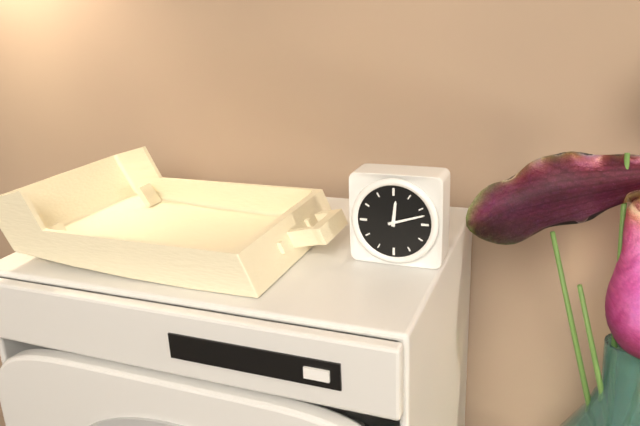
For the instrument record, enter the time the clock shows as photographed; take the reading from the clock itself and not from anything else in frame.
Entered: 12:12
